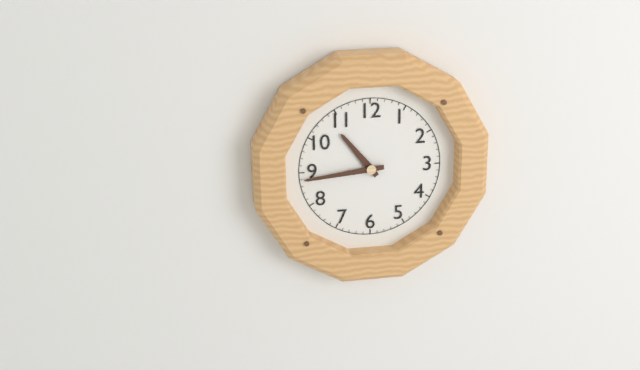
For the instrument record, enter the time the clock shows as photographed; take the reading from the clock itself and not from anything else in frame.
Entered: 10:44
